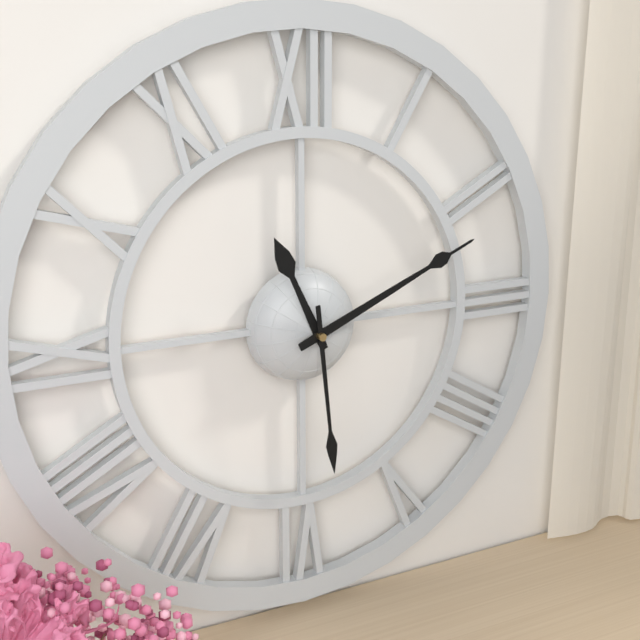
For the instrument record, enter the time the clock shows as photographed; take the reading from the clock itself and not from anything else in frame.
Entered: 11:11:29
